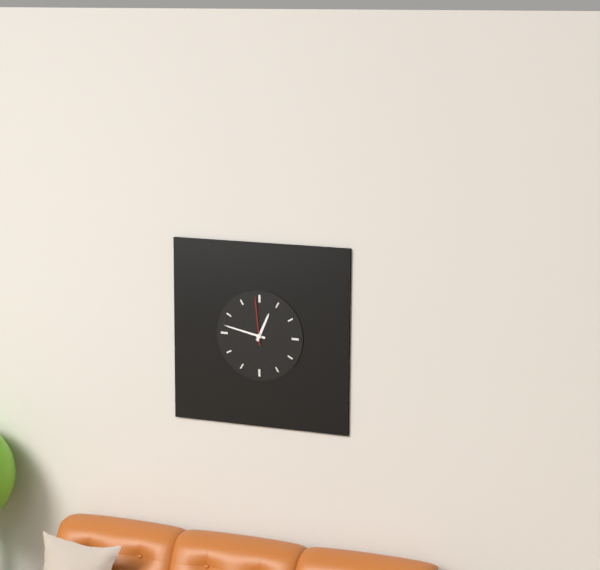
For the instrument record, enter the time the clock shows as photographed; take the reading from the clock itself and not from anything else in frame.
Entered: 12:47:59
